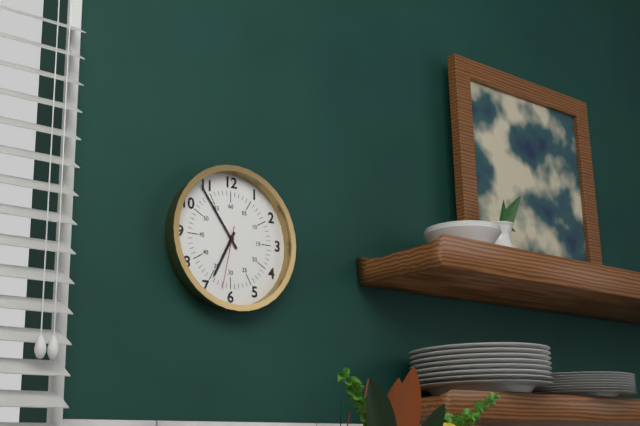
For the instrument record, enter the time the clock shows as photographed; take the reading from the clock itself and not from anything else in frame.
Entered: 6:54:32
